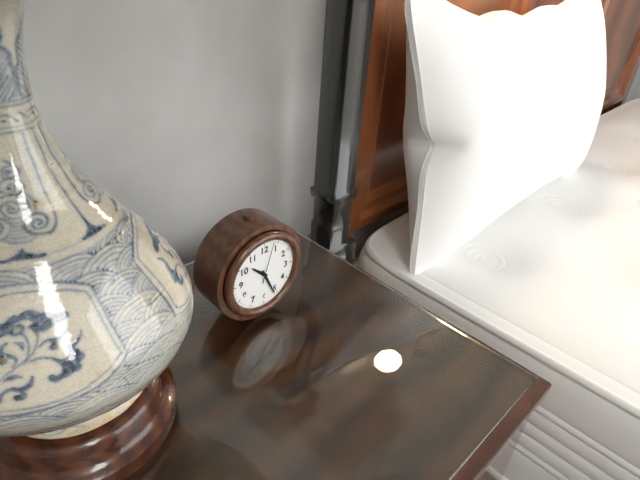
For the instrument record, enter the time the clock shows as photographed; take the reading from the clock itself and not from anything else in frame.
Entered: 10:26
